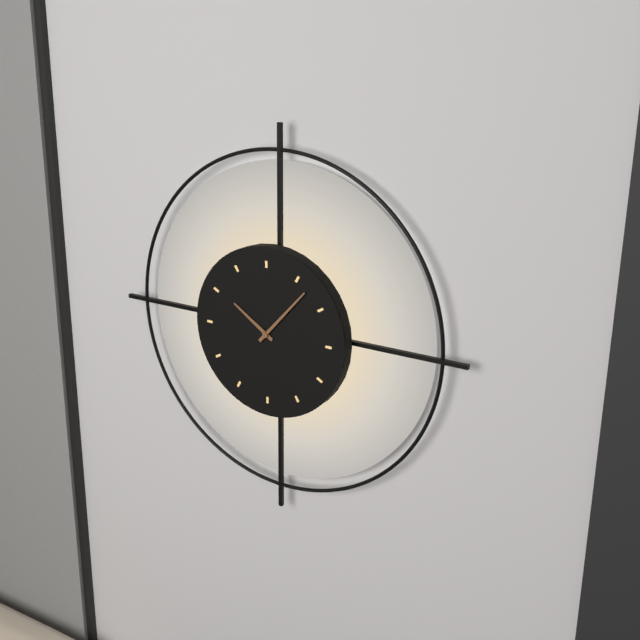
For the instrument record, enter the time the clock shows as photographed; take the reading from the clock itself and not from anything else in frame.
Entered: 10:07
